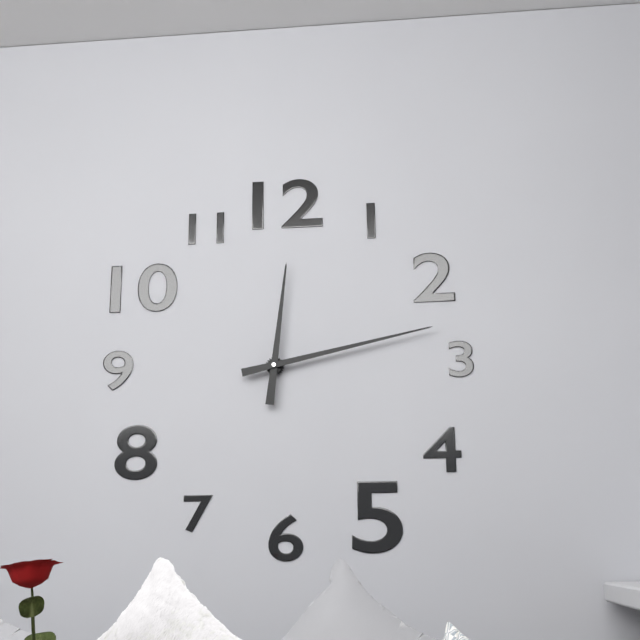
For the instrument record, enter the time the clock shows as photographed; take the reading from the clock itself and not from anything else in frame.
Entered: 12:13
